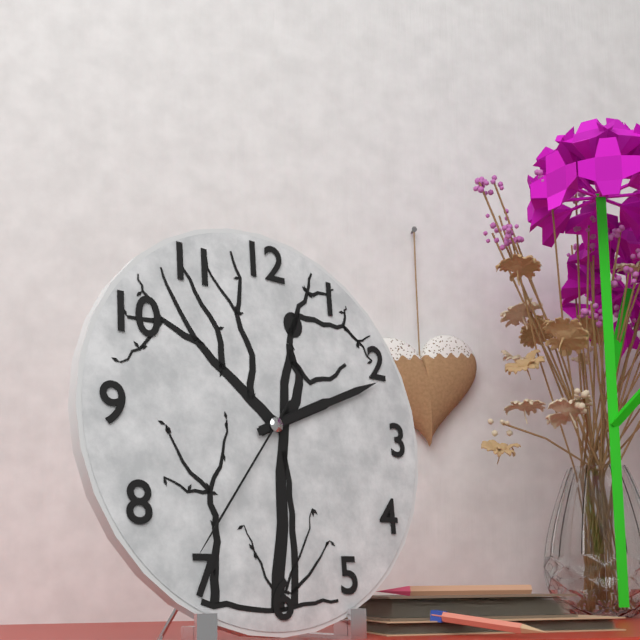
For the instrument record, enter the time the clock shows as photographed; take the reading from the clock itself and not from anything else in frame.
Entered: 2:11:36
